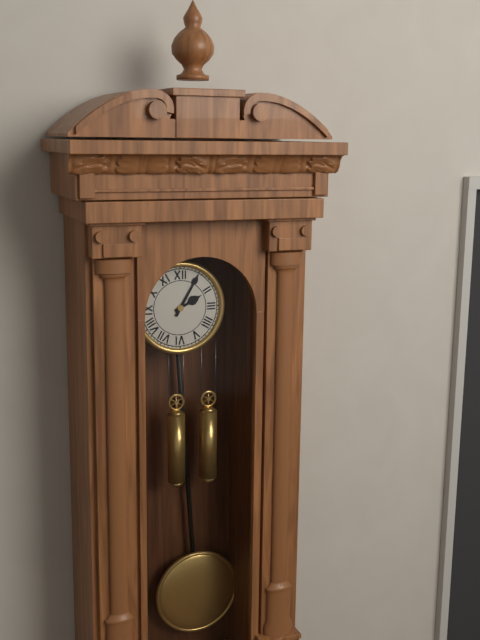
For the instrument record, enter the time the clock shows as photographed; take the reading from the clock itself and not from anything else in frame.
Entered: 2:05
